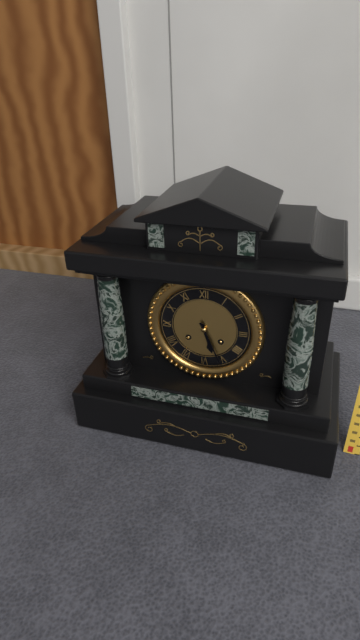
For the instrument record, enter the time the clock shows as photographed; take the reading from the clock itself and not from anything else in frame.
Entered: 5:26
